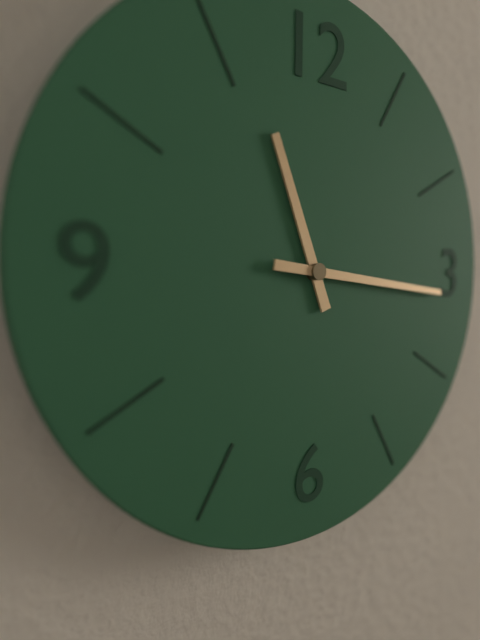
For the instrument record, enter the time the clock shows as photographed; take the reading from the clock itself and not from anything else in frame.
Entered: 11:16
